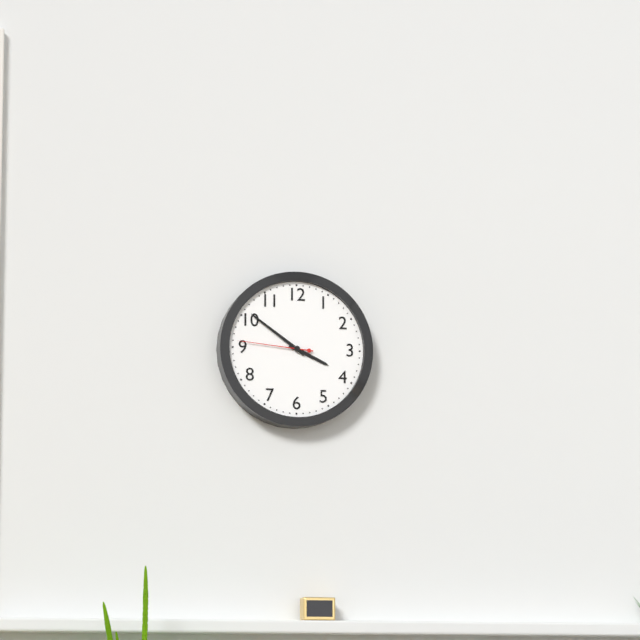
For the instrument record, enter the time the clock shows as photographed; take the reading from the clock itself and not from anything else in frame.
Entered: 3:51:46
